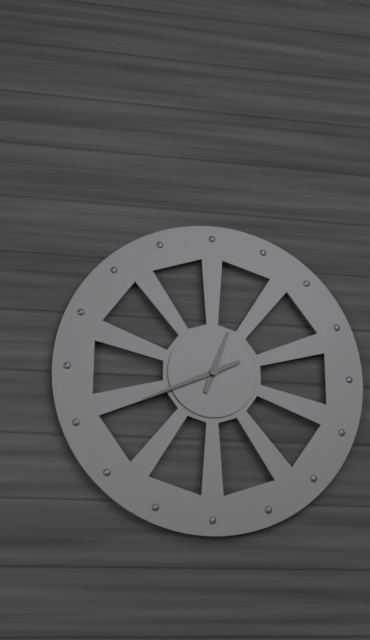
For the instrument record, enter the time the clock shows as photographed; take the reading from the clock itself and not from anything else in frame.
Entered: 12:41
